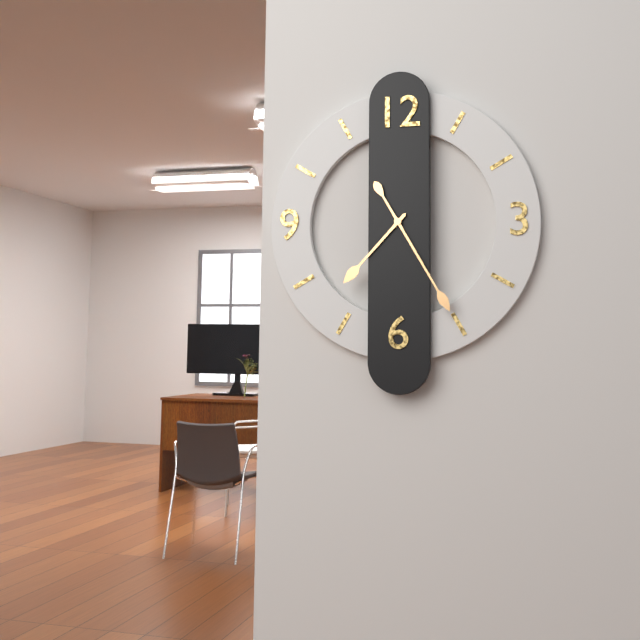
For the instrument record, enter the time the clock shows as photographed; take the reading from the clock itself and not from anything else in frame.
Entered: 7:25
